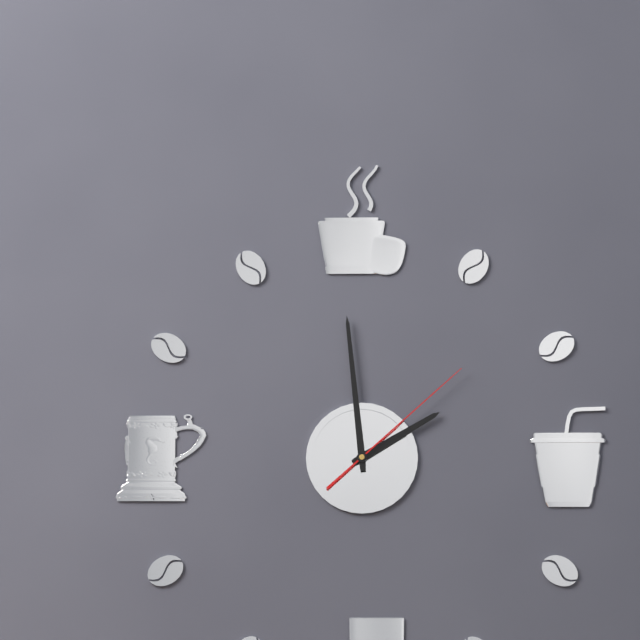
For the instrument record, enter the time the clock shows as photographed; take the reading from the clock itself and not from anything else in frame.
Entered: 1:59:08
